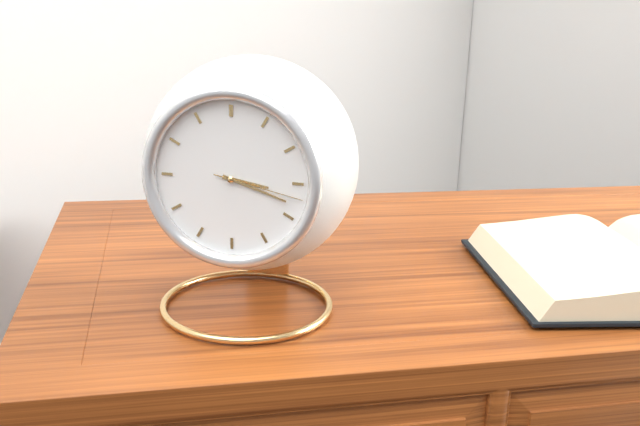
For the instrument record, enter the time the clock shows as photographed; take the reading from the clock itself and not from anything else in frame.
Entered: 3:18:17
